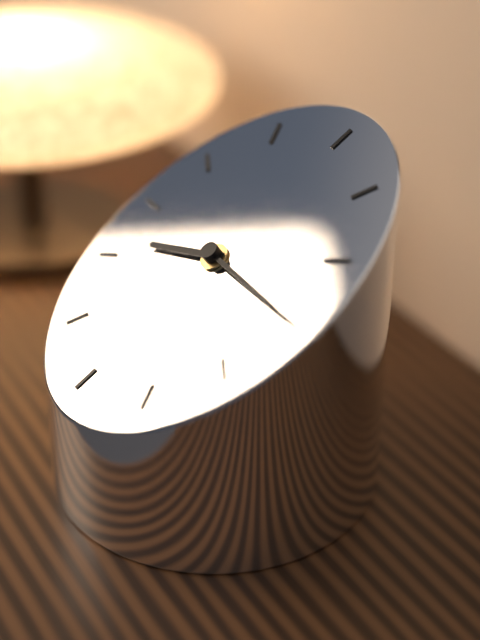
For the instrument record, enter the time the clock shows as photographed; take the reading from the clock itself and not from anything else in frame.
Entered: 8:15
